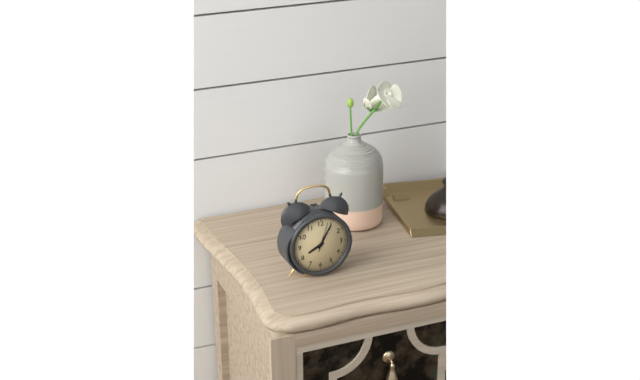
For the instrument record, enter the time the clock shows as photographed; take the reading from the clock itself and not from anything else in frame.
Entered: 8:05
